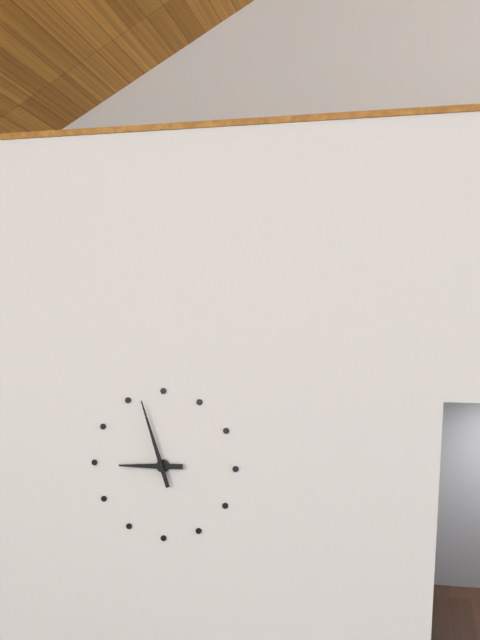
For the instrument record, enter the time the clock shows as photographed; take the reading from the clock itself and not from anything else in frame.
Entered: 8:57
